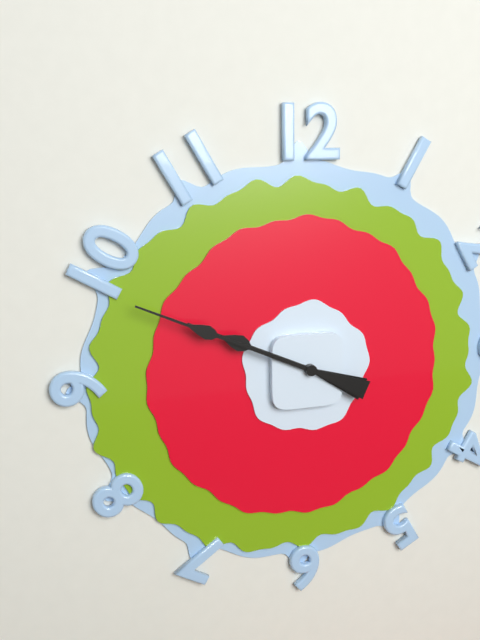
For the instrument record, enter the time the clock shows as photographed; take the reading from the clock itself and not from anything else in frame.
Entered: 9:49
